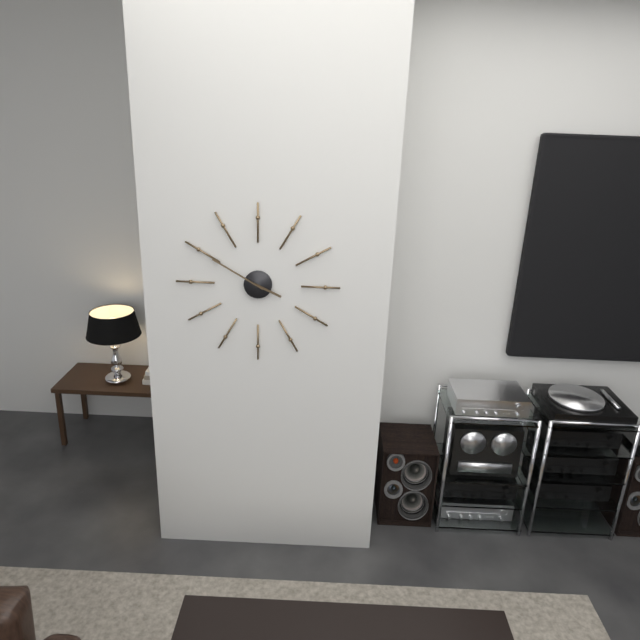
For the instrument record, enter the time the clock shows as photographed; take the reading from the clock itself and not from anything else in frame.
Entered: 3:50
